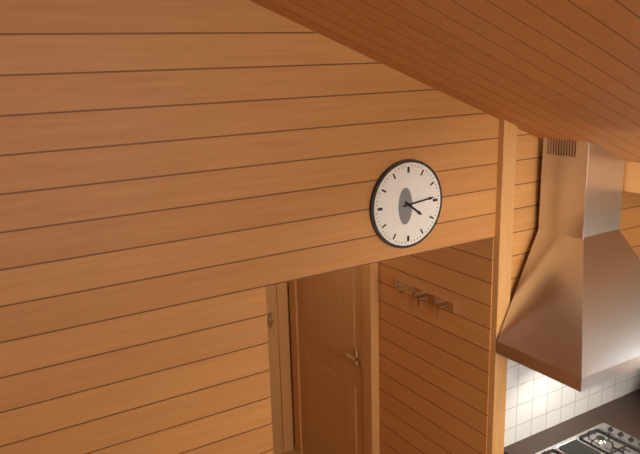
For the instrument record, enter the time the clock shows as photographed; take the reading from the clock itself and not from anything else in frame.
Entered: 4:14
